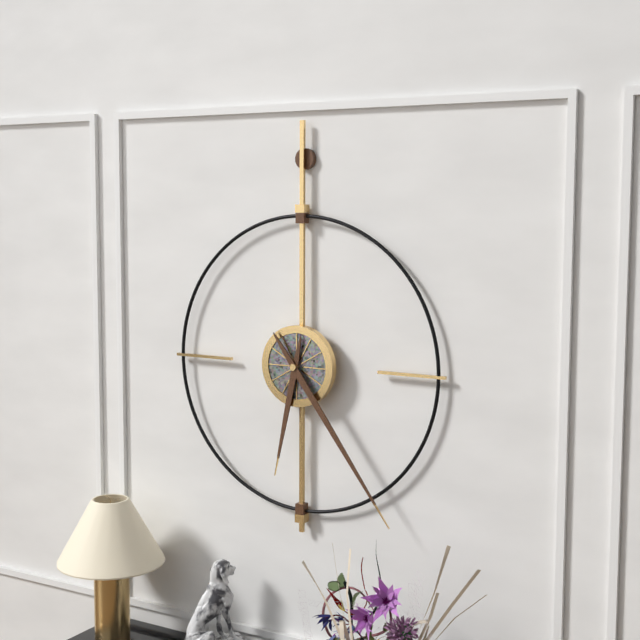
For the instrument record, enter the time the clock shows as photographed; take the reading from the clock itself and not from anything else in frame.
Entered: 6:24
